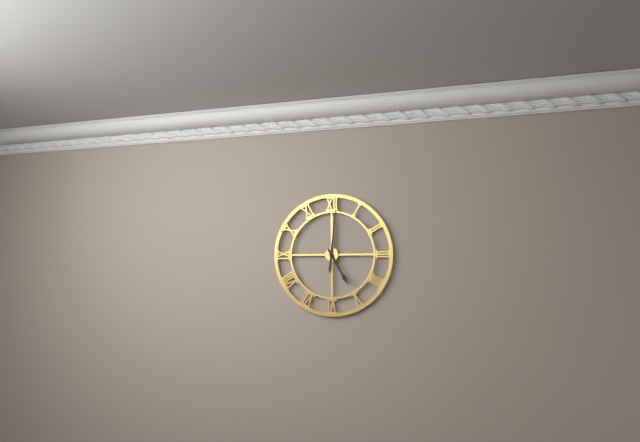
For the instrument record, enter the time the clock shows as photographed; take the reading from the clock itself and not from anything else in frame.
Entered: 5:01
